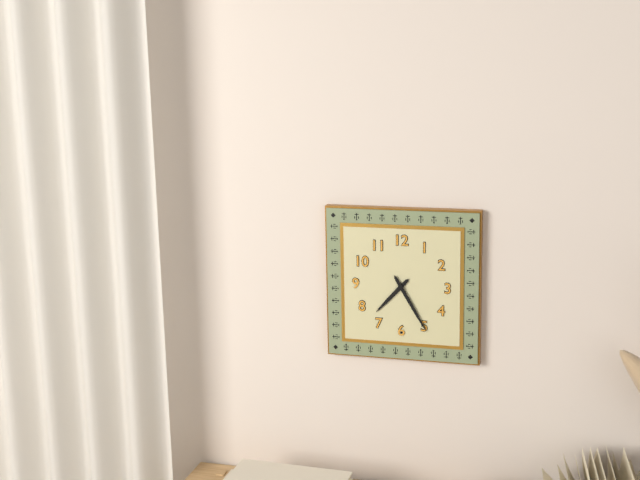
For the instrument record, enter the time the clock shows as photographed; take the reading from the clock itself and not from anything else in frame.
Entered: 7:25
